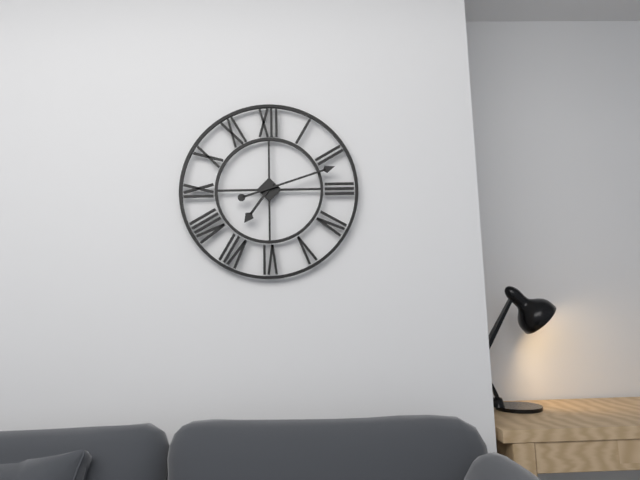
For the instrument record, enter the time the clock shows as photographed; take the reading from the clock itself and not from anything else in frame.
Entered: 7:12
